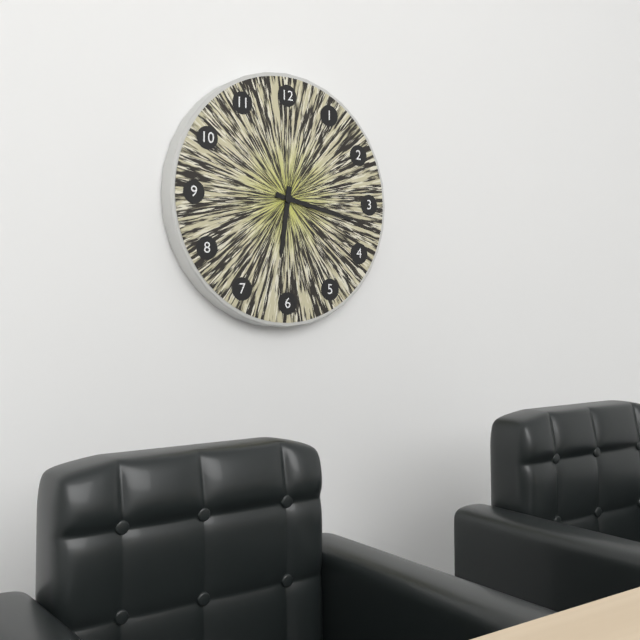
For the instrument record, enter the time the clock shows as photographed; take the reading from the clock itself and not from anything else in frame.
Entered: 6:17
